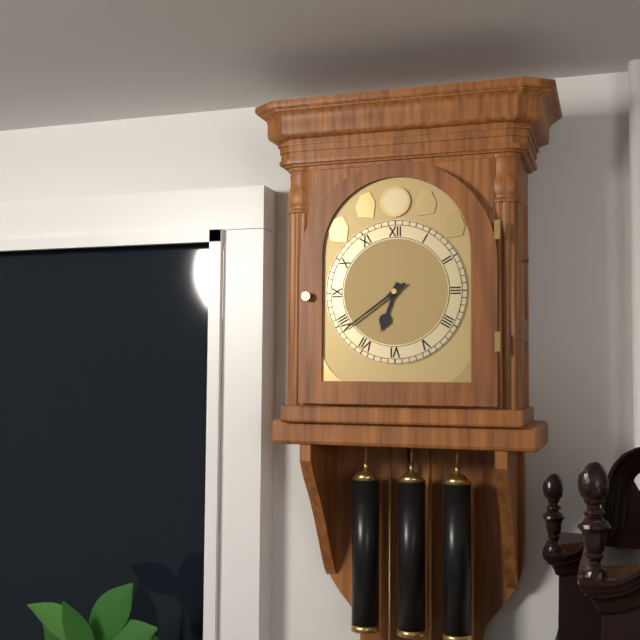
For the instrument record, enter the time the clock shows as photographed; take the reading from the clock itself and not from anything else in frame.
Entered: 6:39
